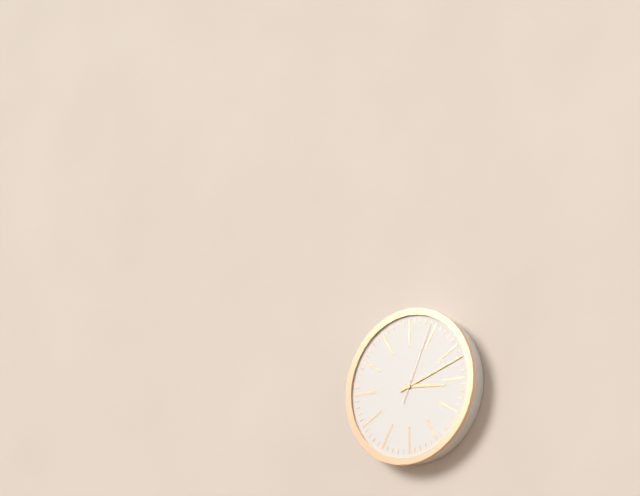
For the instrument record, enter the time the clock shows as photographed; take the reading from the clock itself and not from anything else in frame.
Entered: 3:12:04
